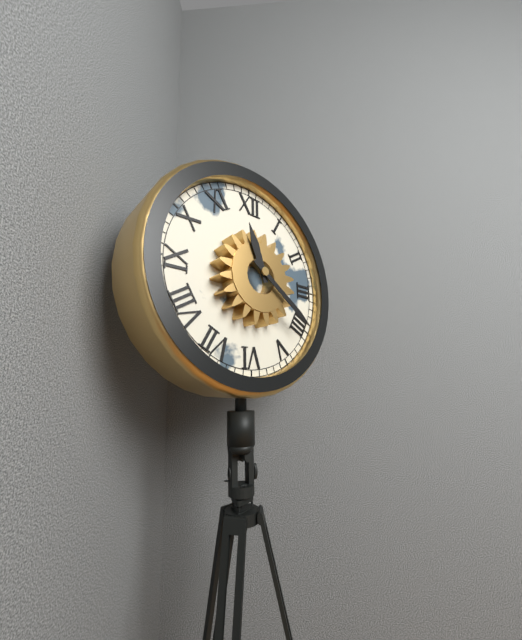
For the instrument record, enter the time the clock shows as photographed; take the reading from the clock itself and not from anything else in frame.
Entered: 11:21
